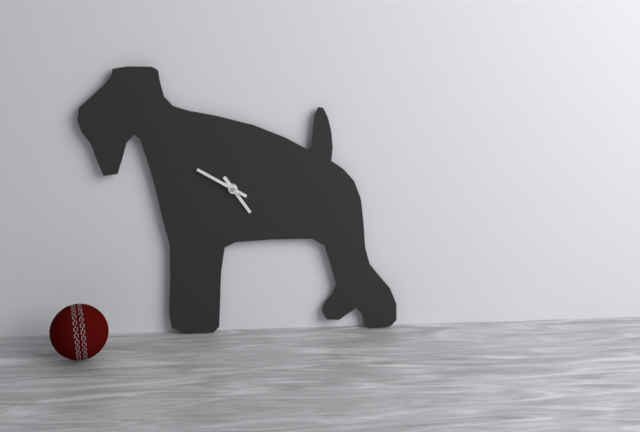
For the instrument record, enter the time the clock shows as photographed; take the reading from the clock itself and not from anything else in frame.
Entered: 4:50
